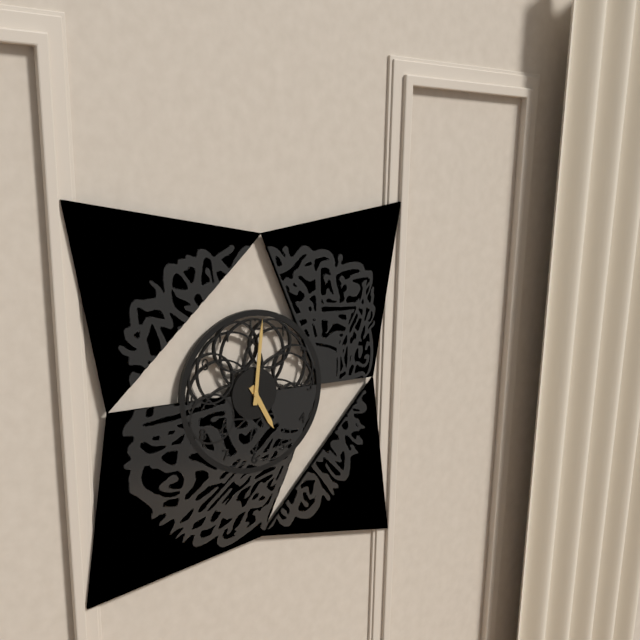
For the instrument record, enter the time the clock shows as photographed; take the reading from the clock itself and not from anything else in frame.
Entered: 5:01
